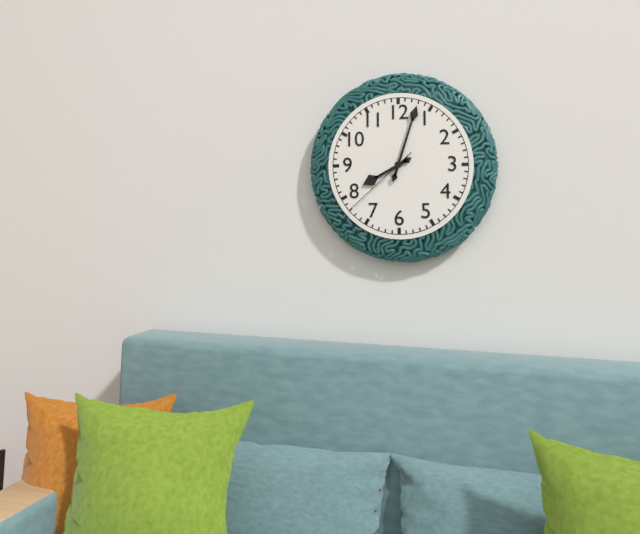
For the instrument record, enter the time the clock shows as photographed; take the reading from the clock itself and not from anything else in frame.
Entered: 8:03:38
